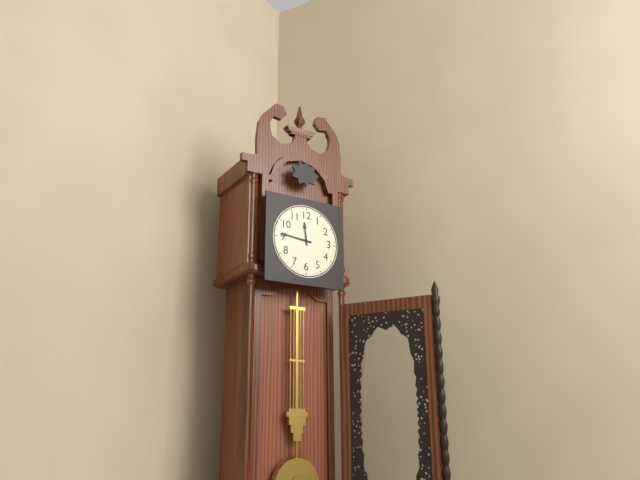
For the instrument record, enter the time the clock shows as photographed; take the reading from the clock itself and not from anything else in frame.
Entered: 11:46
